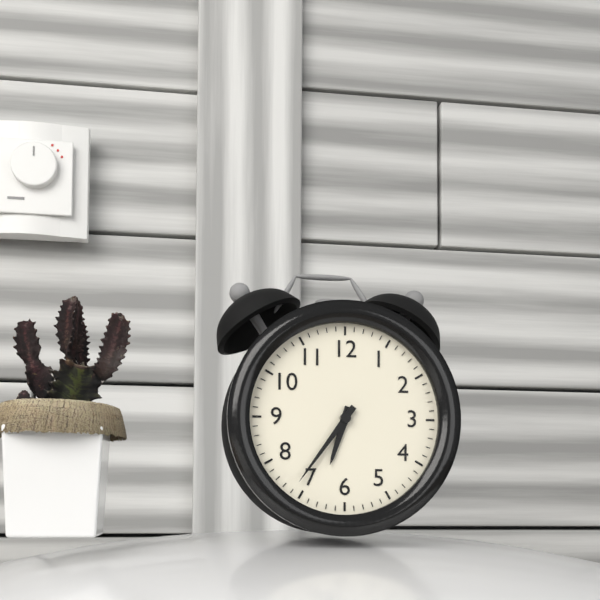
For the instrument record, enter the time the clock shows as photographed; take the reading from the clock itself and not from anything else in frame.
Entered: 6:36
